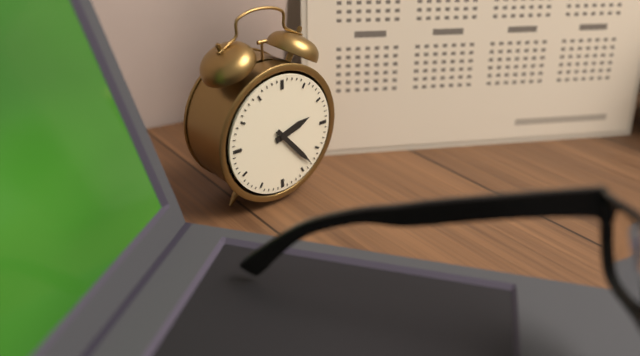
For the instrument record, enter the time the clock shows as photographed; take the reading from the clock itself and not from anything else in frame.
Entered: 2:23
